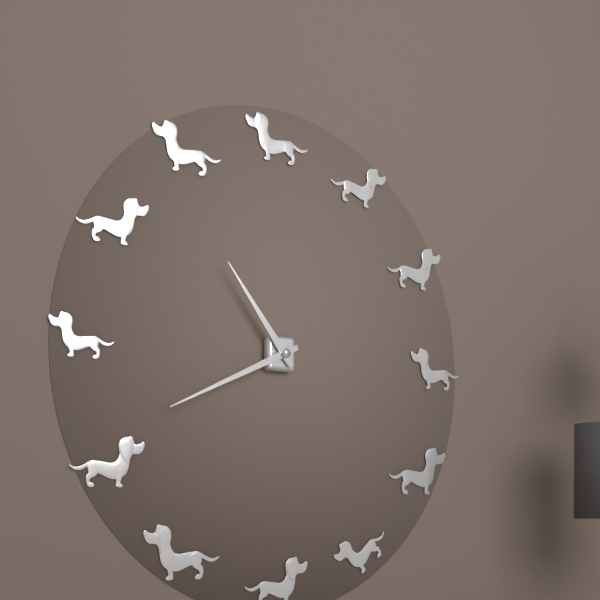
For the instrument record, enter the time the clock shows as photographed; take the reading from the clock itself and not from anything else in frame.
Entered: 10:41
